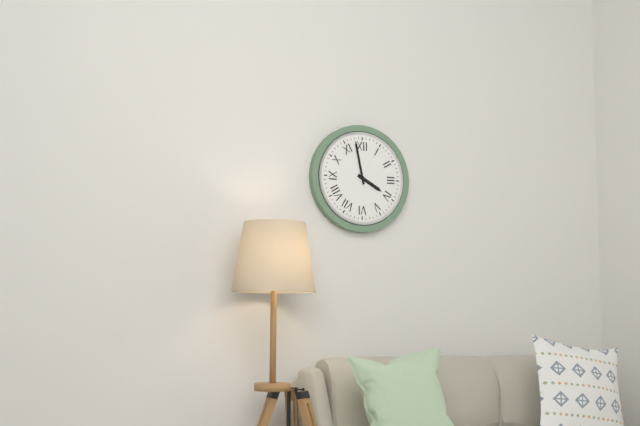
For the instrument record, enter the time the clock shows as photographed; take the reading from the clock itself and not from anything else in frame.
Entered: 3:58
